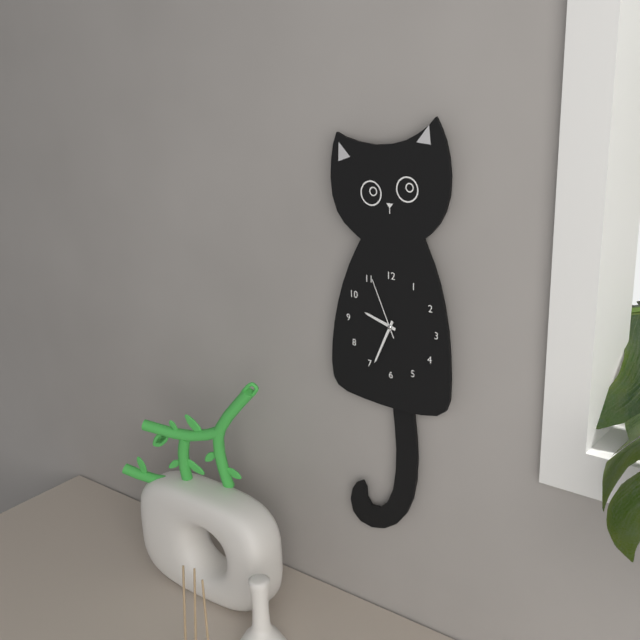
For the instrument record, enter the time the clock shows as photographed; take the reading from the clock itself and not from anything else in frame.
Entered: 9:34:56
